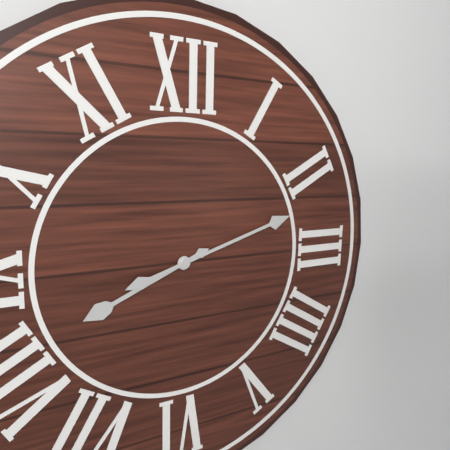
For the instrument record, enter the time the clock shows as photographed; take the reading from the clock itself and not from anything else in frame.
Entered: 8:12
